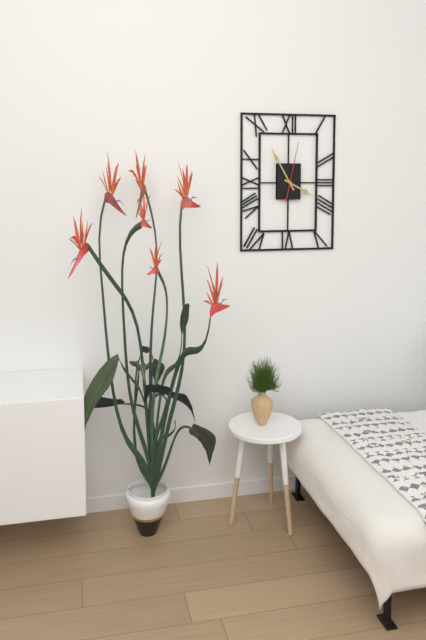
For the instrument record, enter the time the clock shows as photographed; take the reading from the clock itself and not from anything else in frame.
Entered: 3:55:02
